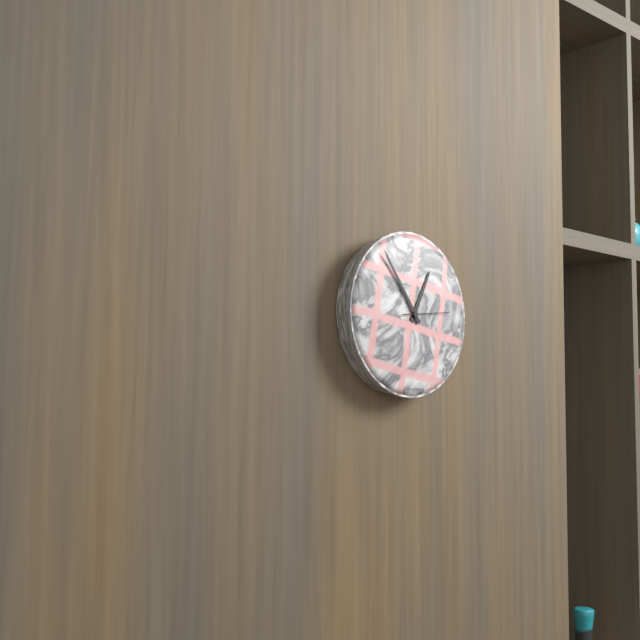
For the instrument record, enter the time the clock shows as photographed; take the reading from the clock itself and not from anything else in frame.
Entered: 12:54
